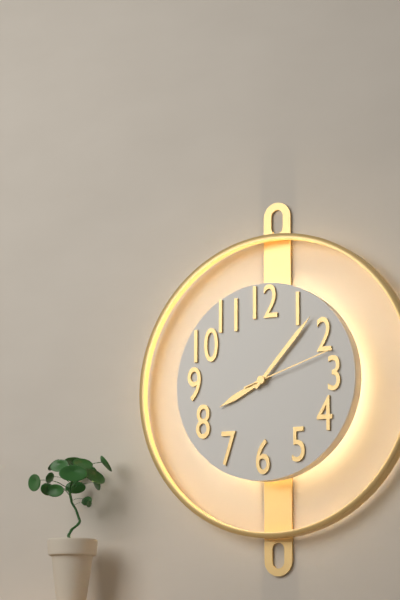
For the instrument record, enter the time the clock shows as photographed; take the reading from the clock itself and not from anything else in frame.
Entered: 8:07:12
